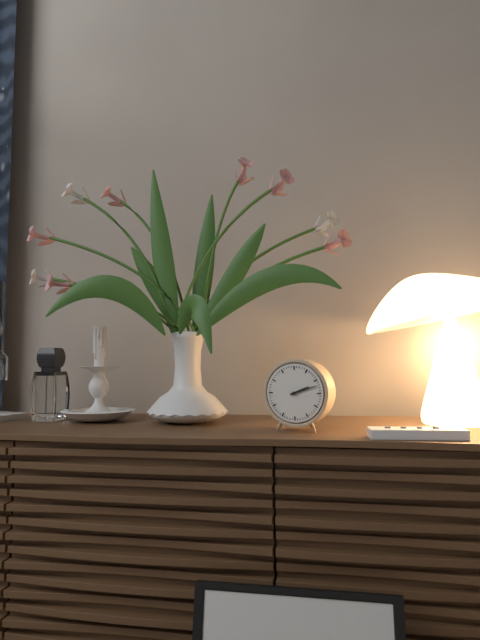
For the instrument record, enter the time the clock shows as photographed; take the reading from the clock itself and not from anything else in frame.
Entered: 2:12
